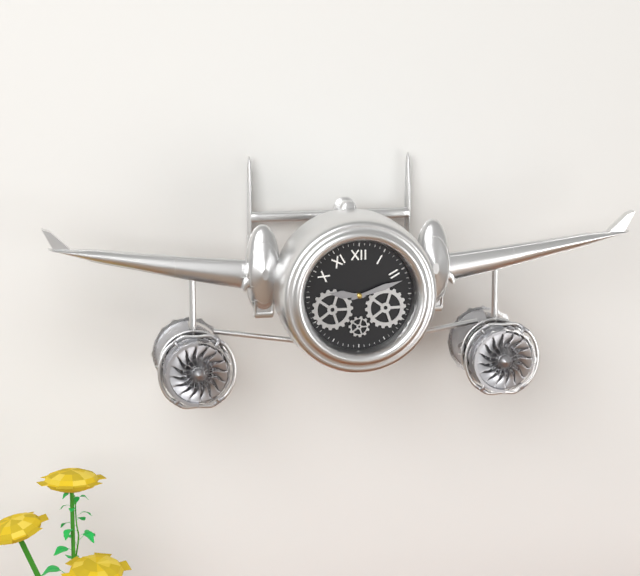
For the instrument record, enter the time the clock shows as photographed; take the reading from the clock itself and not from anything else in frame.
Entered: 9:12
